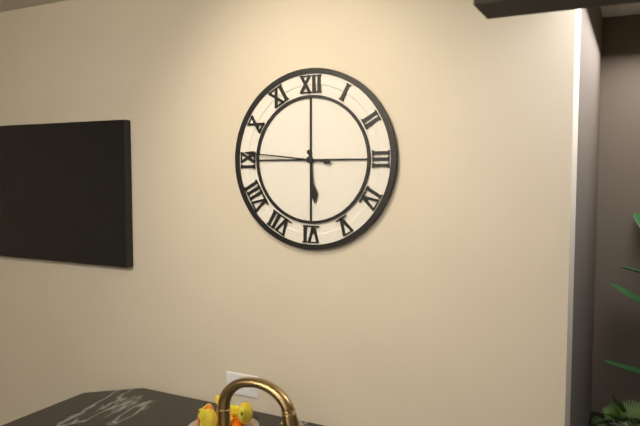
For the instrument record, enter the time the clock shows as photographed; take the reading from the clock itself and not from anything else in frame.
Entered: 5:46
